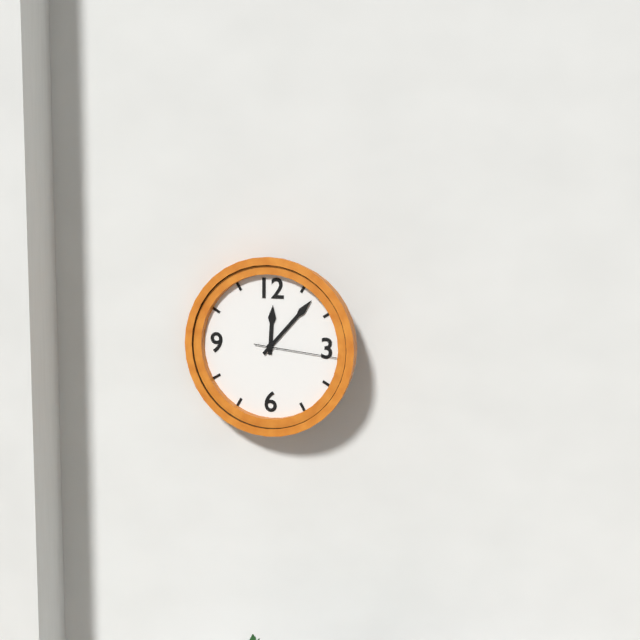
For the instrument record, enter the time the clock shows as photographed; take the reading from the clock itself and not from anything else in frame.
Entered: 12:07:16
